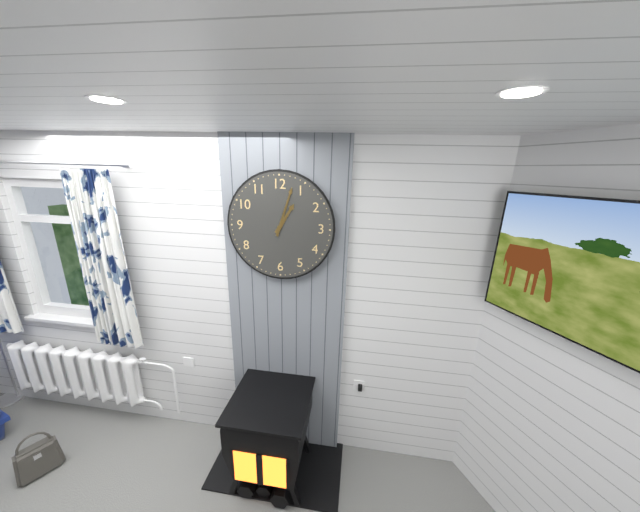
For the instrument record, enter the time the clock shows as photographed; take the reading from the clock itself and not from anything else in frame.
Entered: 1:03
